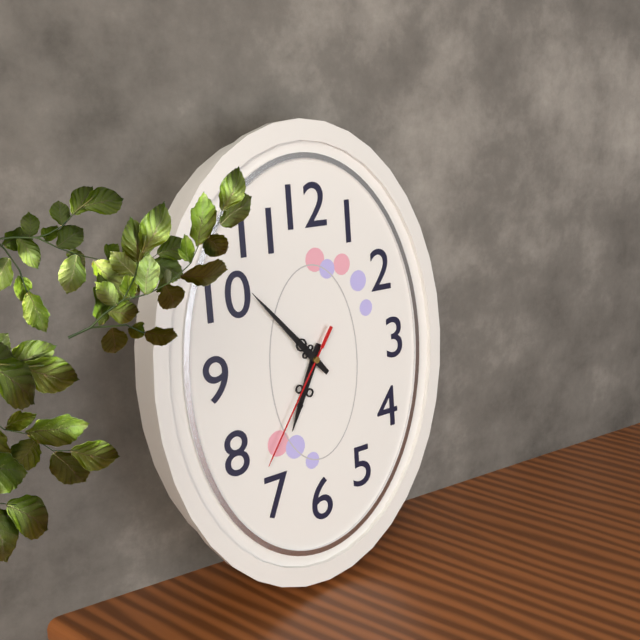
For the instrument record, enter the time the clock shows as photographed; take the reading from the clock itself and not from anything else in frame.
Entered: 6:53:36
